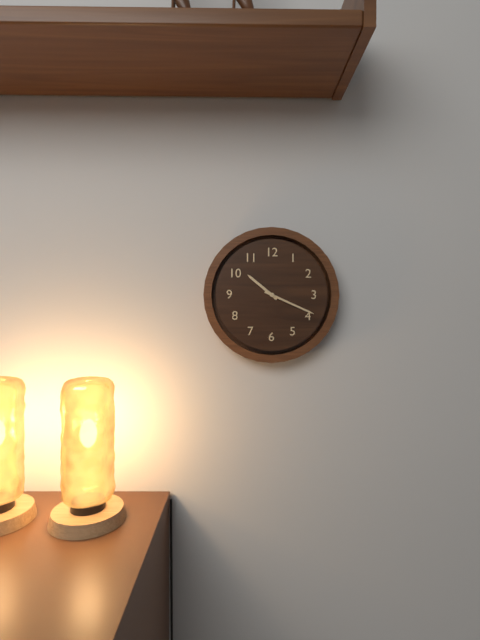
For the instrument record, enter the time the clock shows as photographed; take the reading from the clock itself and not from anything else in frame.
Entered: 10:19
